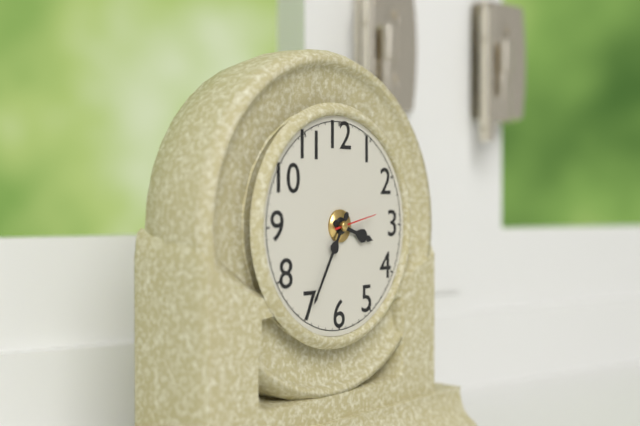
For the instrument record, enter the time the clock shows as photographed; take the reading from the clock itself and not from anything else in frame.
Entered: 3:35
